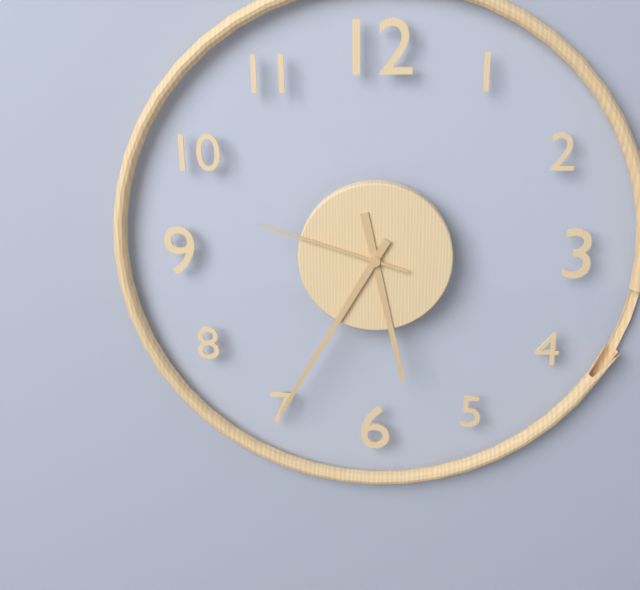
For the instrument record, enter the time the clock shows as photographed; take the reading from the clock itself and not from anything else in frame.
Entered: 5:35:48
